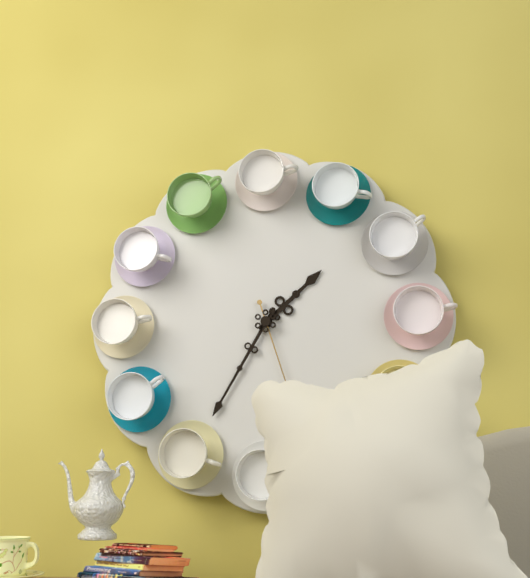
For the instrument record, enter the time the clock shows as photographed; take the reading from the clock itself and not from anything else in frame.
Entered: 1:35:27
